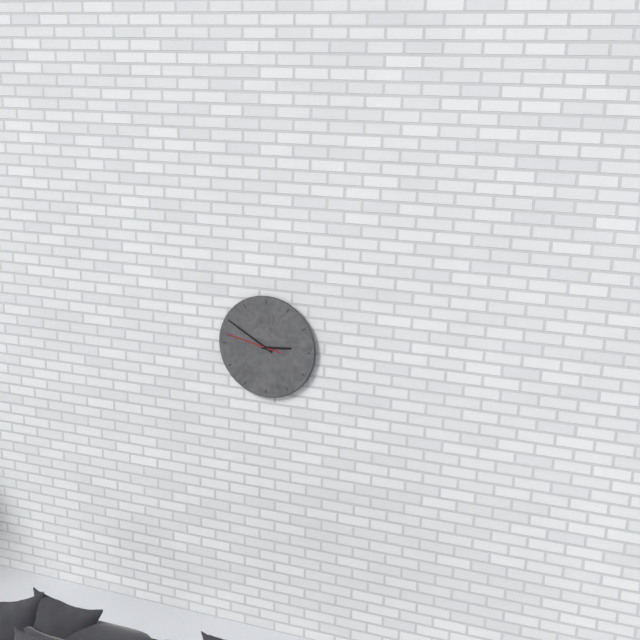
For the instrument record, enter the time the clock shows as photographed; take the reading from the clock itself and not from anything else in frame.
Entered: 2:50:47
